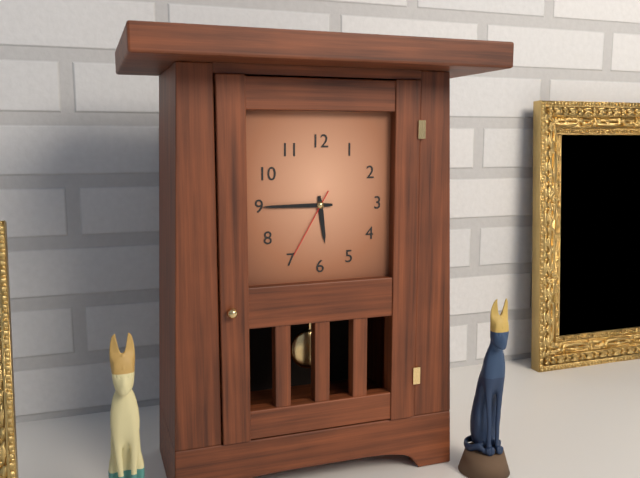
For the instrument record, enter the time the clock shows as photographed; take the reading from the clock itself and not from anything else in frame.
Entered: 5:45:35
